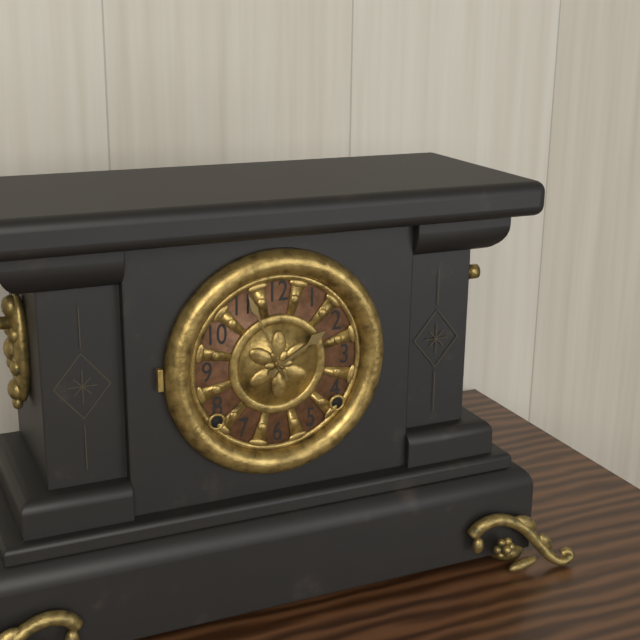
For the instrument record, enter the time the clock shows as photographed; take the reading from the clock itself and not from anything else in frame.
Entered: 1:56
